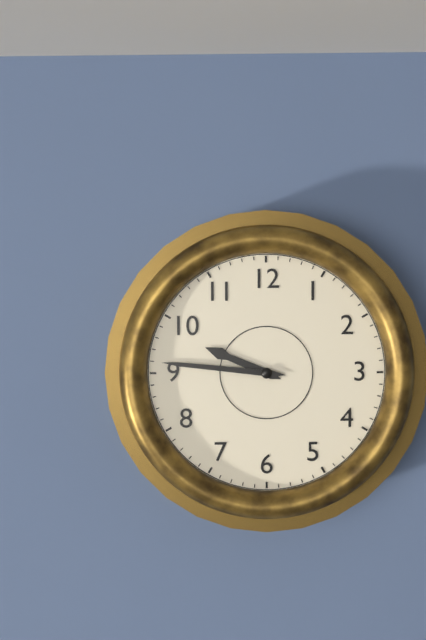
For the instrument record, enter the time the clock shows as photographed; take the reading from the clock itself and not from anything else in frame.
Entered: 9:46
